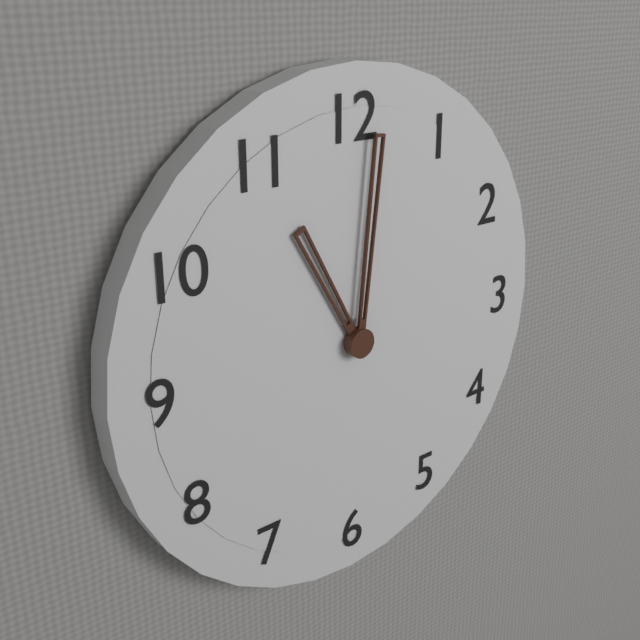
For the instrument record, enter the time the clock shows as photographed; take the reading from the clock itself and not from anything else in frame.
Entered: 11:01
